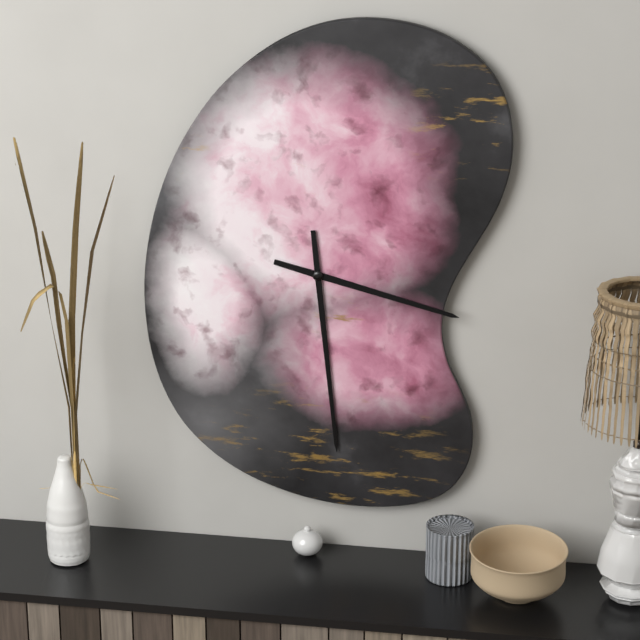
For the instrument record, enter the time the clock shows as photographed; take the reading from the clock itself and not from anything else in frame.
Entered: 3:29
